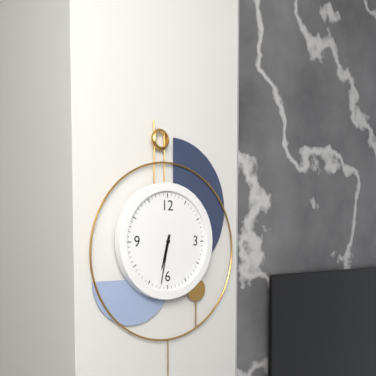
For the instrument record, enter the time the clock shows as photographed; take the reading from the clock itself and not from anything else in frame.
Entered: 6:32
